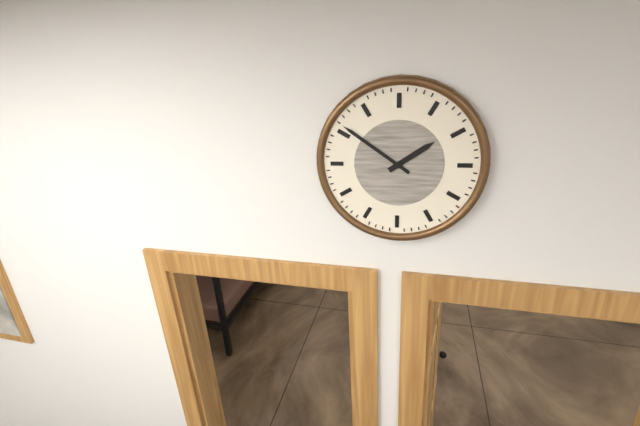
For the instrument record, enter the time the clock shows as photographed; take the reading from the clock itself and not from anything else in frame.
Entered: 1:51
